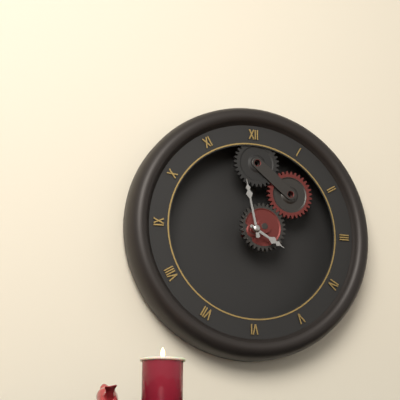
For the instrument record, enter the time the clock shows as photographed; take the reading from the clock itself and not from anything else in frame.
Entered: 3:58
